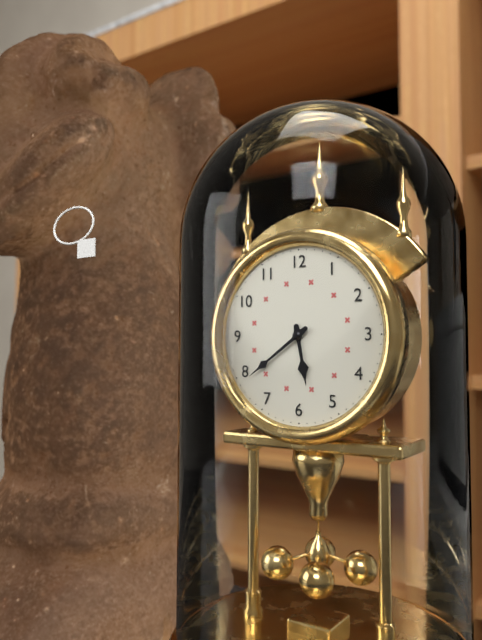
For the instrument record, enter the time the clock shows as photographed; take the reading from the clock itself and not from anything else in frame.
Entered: 5:39
